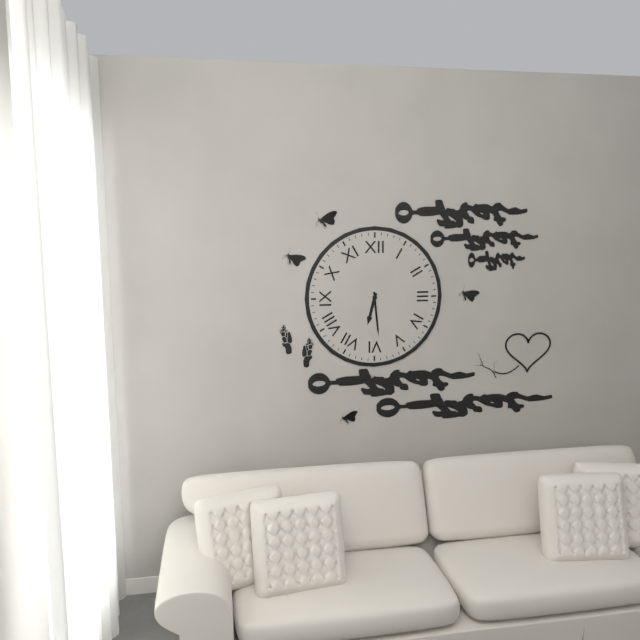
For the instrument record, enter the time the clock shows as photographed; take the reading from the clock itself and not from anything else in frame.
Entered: 6:29
